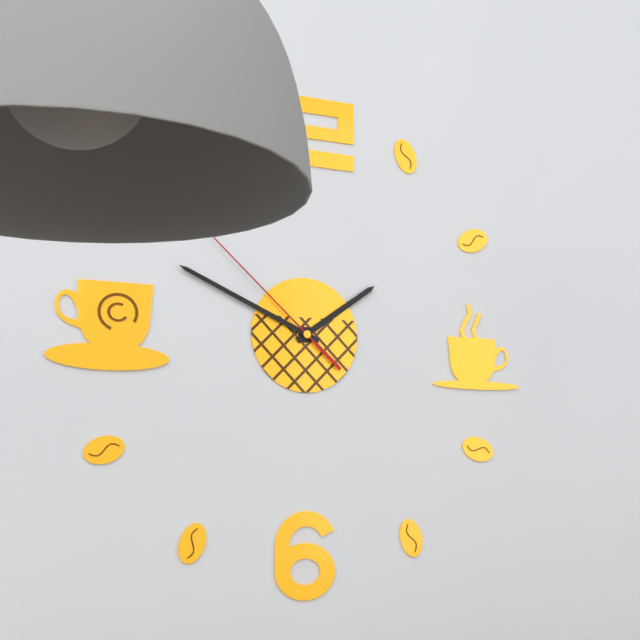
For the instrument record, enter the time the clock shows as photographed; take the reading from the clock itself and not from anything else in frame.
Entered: 1:49:52
